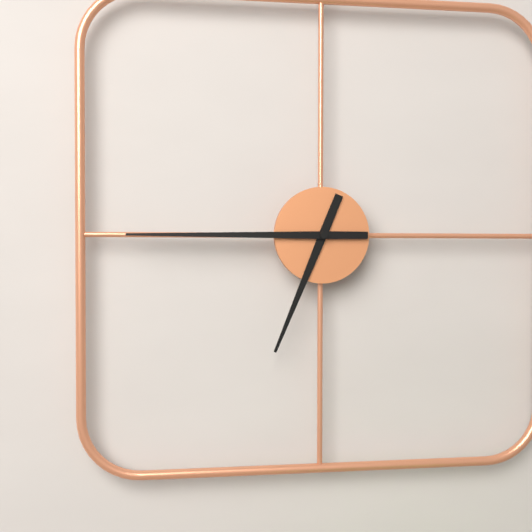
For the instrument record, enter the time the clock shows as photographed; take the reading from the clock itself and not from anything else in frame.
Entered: 6:45
